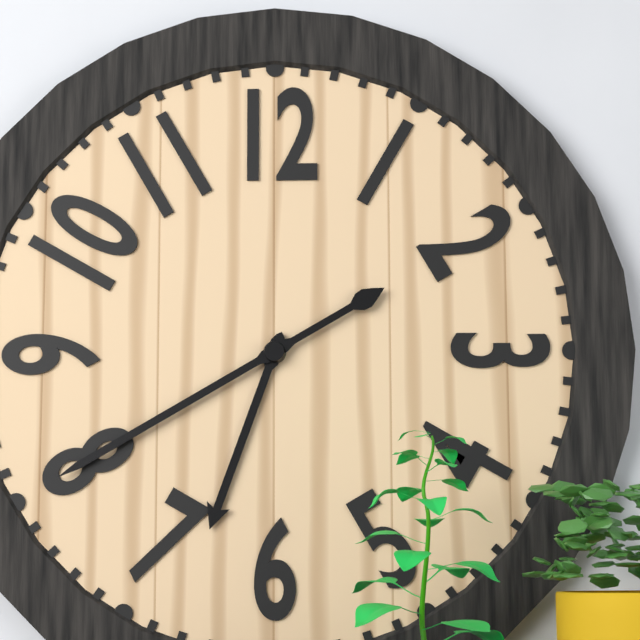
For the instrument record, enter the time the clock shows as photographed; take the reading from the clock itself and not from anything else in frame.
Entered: 6:40
